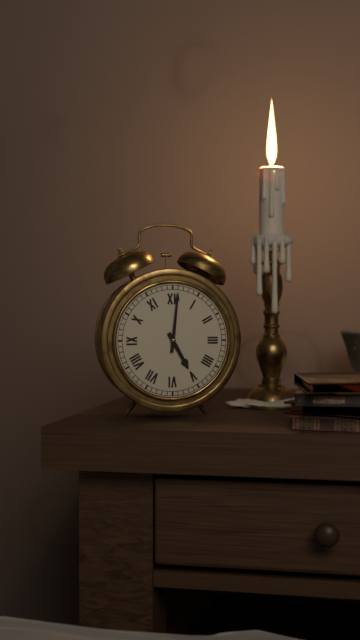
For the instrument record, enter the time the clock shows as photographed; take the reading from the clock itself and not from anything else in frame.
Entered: 5:01
